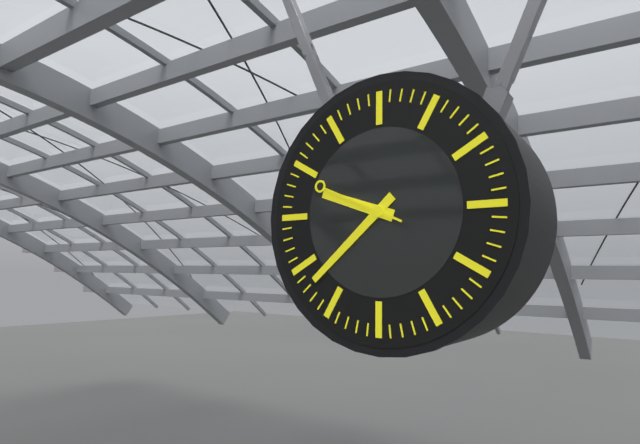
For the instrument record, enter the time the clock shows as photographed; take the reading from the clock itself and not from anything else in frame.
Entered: 9:38:49
